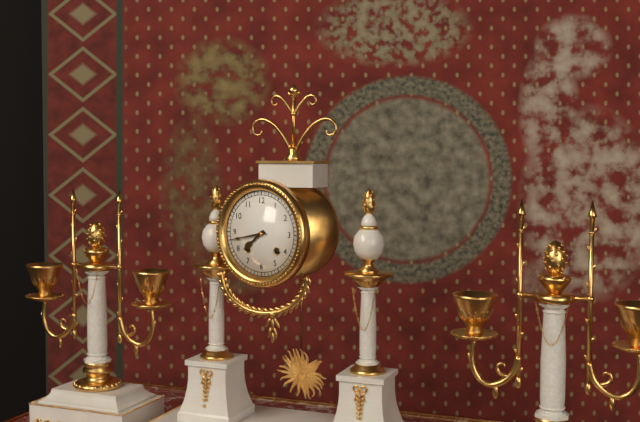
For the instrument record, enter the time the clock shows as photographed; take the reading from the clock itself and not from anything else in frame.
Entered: 7:43
